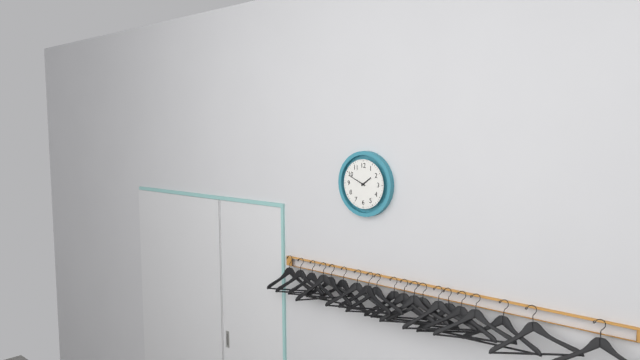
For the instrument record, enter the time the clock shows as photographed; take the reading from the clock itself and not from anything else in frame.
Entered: 1:49
